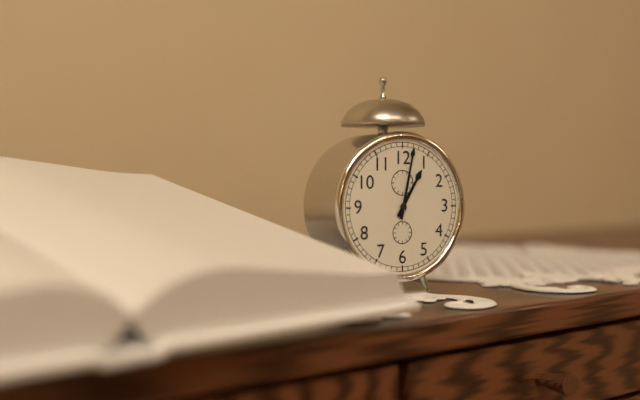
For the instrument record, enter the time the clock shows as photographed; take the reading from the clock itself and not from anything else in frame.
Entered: 1:02
